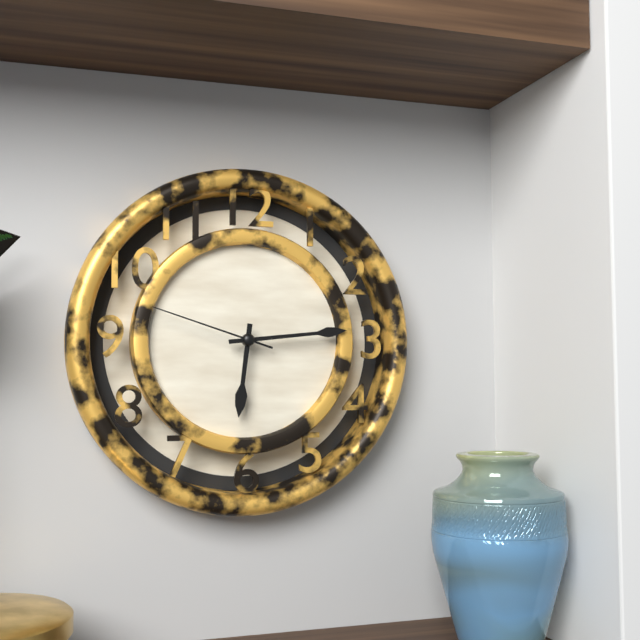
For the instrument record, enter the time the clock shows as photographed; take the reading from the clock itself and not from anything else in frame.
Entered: 6:14:48
